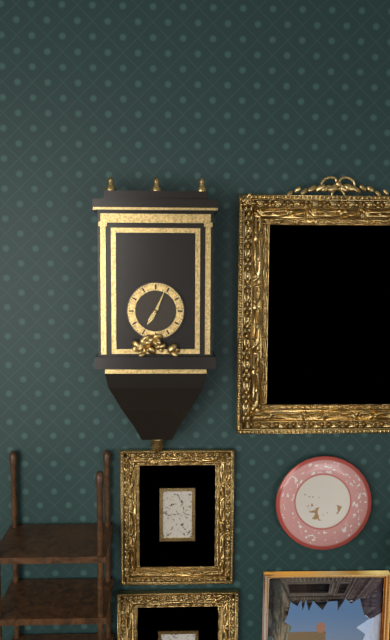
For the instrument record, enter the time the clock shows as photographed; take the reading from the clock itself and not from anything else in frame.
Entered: 7:04
